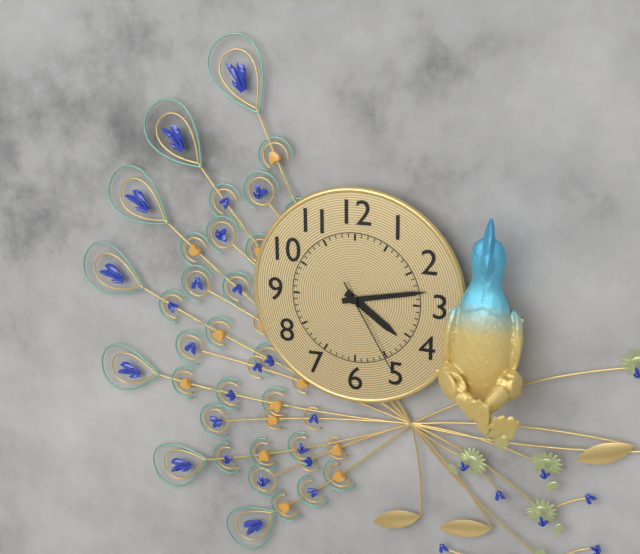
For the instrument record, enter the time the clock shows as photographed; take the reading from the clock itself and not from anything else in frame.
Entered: 4:13:25
